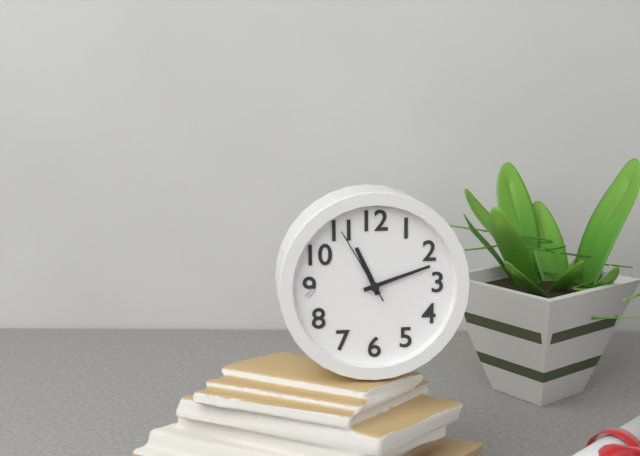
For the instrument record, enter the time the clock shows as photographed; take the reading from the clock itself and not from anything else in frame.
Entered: 11:12:55
